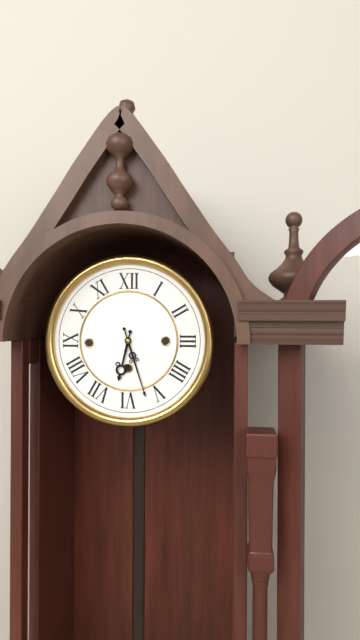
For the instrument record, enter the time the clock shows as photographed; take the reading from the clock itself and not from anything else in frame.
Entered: 6:27
